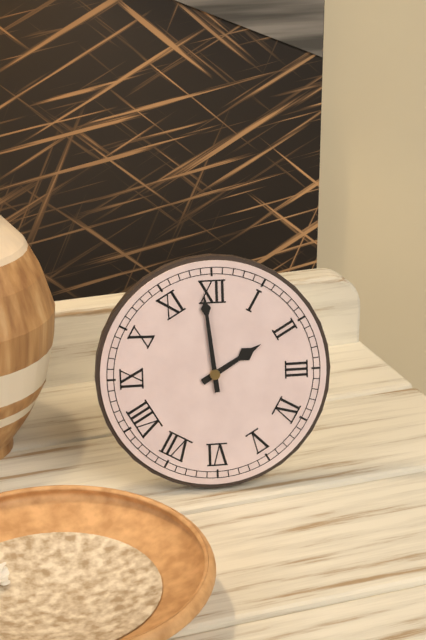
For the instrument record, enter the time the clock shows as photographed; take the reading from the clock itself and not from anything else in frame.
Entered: 1:59
